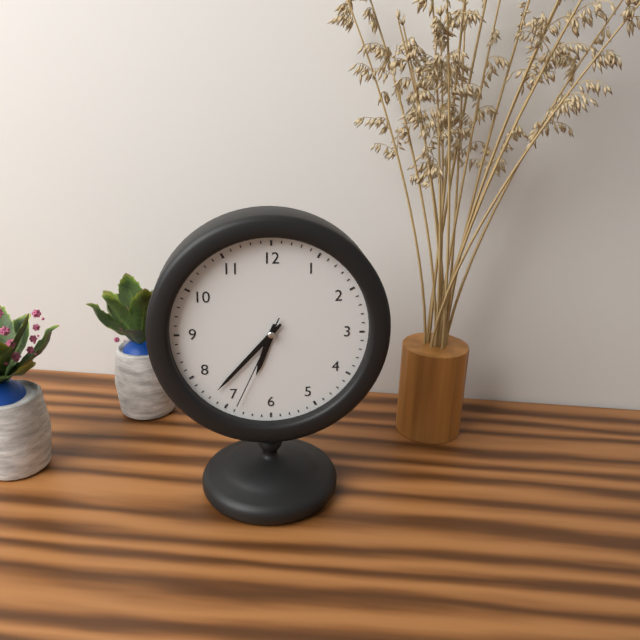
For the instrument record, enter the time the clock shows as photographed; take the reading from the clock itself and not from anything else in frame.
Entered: 6:37:34
